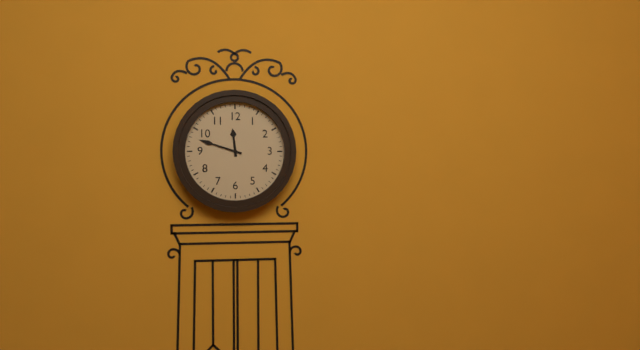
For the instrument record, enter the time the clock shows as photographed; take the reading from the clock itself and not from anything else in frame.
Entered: 11:48
